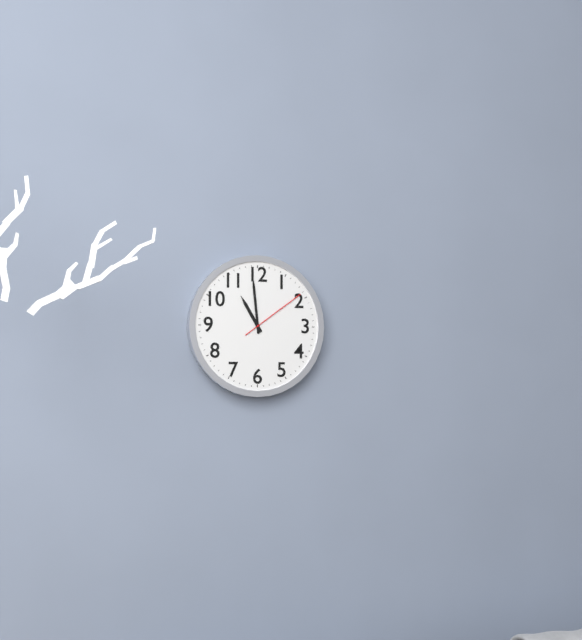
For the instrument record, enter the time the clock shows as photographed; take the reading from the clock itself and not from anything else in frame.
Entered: 10:59:09
